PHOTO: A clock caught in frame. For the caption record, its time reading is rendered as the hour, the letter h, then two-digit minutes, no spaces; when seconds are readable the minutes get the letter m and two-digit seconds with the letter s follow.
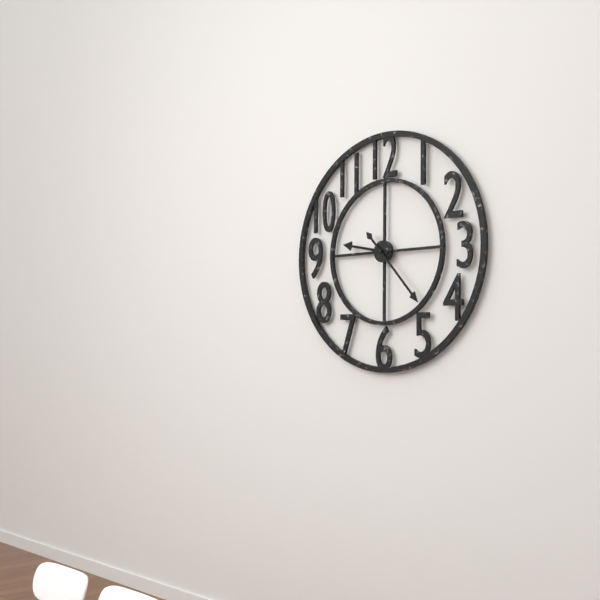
9h23
